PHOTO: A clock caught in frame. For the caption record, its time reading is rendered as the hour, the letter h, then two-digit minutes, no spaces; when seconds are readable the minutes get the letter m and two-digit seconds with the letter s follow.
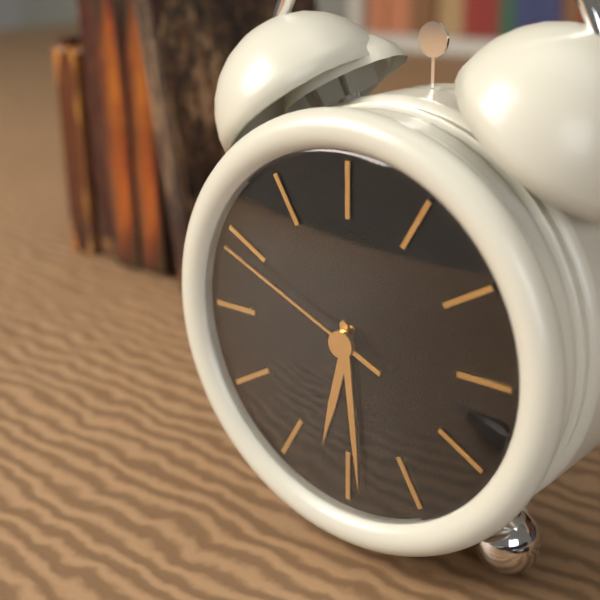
6h29m49s
